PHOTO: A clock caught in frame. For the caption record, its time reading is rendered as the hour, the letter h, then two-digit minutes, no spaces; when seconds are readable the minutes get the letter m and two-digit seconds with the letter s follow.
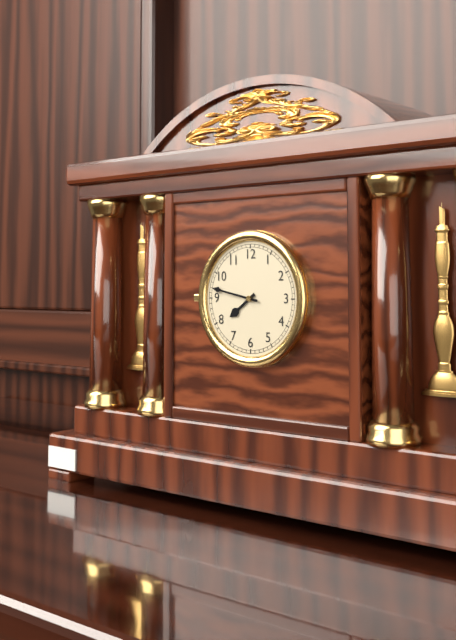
7h47
